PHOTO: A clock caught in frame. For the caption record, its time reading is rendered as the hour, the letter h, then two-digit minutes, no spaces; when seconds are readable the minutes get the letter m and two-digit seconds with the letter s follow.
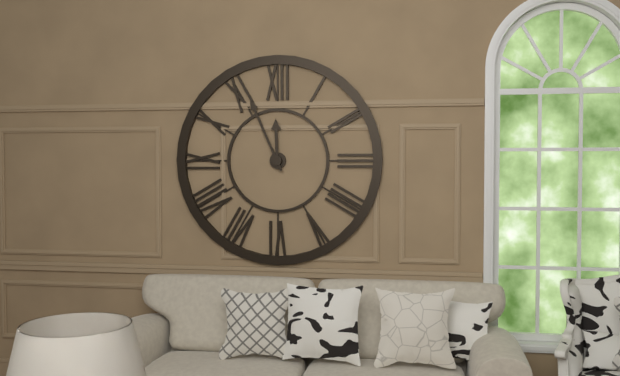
11h56
